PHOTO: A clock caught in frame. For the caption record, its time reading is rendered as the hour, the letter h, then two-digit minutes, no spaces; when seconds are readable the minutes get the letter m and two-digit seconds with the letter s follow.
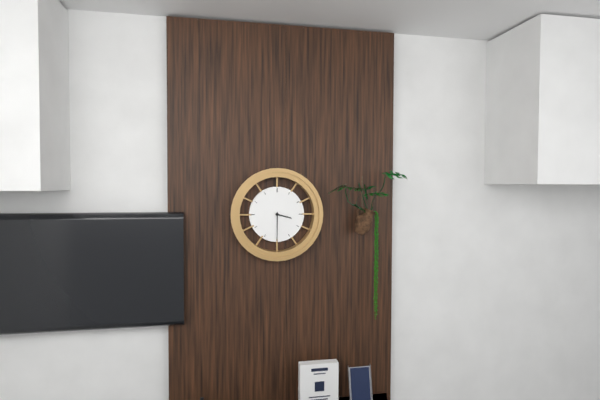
3h30
